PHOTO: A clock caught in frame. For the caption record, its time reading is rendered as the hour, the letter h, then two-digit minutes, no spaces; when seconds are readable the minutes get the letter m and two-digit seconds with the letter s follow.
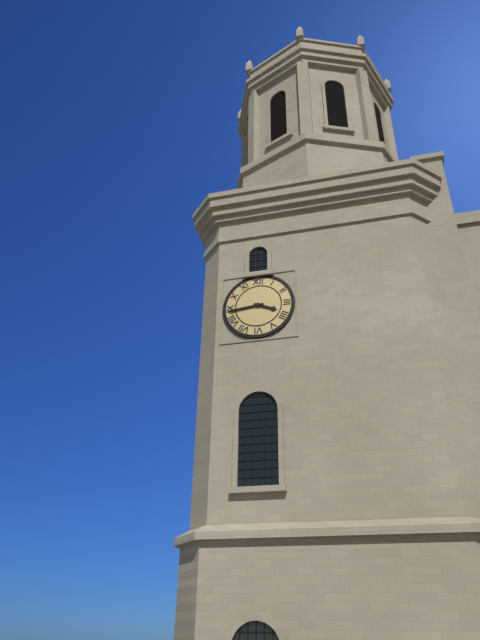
3h44
